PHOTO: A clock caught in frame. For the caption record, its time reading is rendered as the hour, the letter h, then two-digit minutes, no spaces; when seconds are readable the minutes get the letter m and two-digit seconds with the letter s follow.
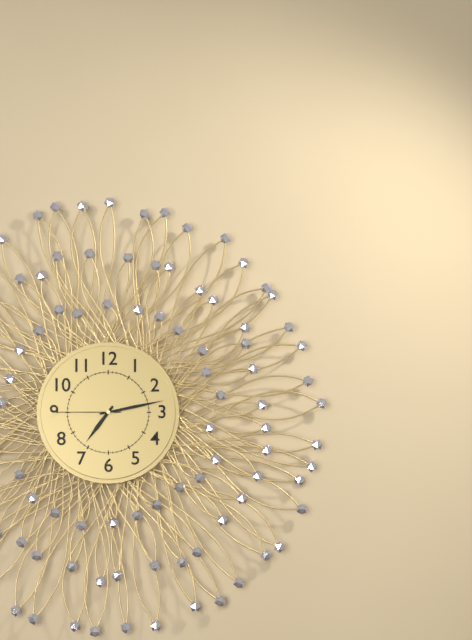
7h13m45s
